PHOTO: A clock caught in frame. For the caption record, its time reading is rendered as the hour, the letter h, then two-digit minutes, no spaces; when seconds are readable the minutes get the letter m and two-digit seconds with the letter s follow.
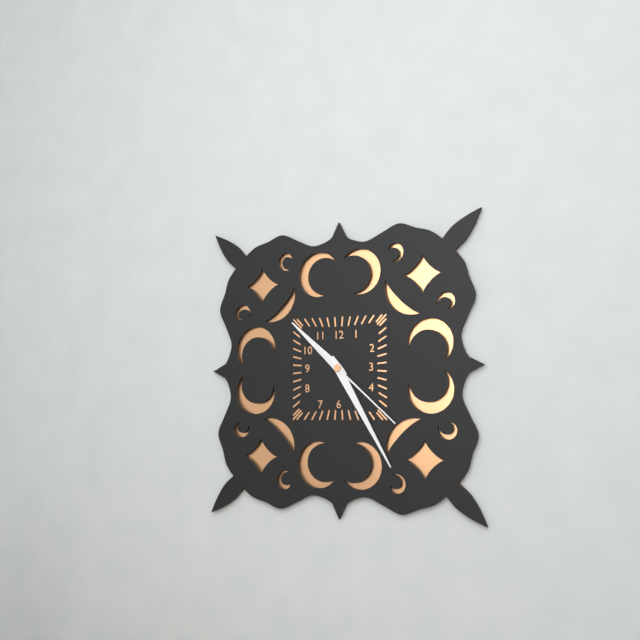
10h25m22s
